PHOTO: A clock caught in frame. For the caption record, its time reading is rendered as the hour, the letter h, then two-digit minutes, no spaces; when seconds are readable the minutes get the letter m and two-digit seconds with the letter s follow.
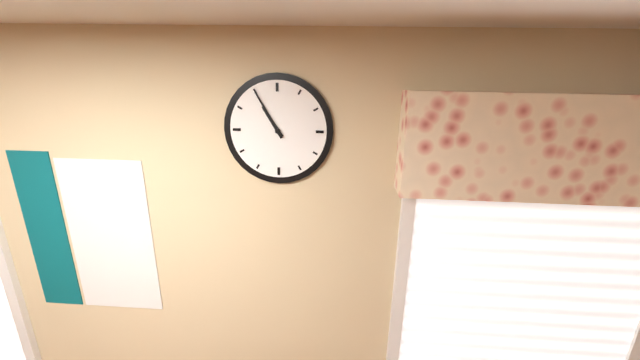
10h55
